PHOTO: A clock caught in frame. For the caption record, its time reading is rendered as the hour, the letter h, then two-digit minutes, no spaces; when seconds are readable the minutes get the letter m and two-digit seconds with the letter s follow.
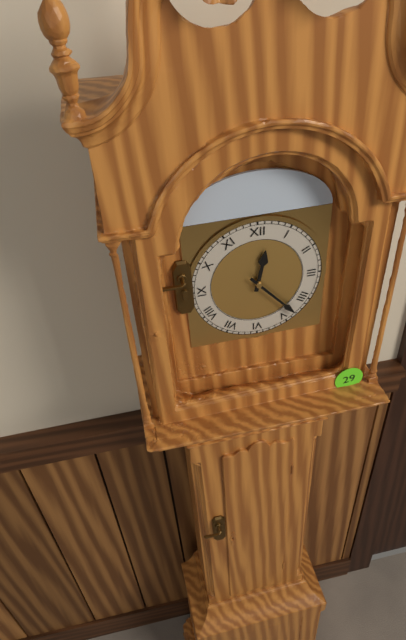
12h23
